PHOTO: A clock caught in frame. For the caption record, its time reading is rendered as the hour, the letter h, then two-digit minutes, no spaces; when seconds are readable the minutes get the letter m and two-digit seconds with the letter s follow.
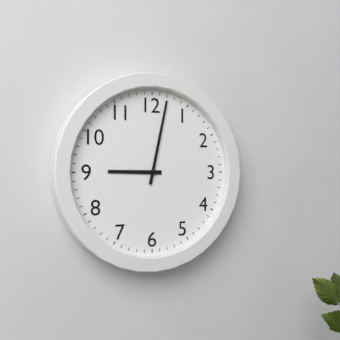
9h02
